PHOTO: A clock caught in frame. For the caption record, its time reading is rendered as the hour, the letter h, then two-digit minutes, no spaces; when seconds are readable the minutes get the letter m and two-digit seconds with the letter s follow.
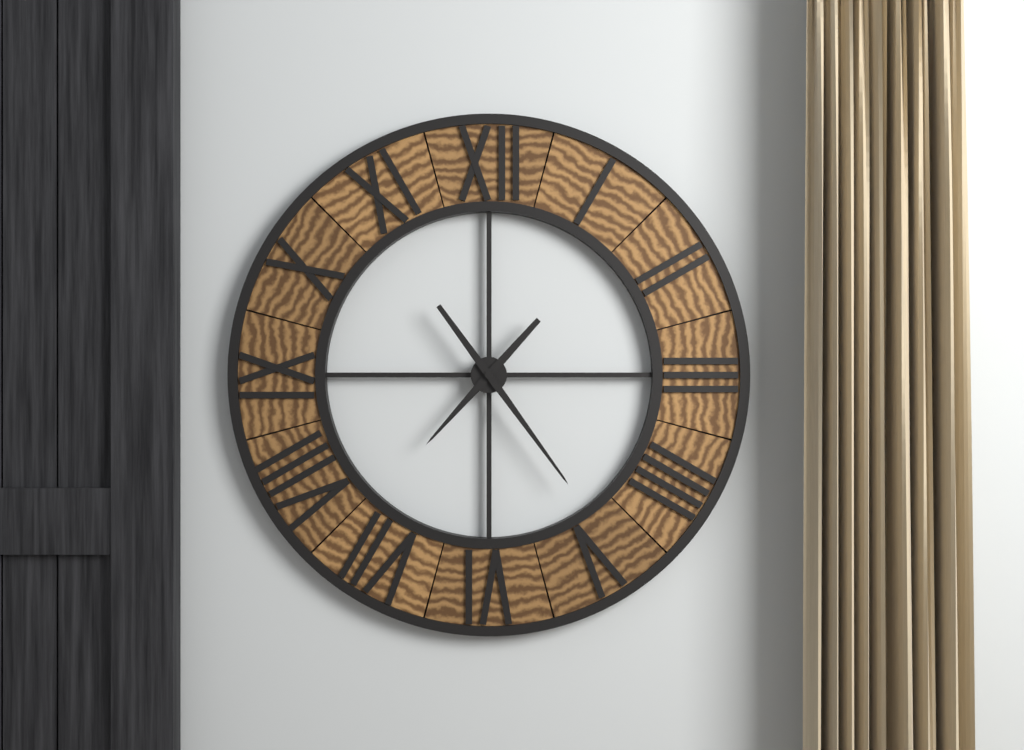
7h24
